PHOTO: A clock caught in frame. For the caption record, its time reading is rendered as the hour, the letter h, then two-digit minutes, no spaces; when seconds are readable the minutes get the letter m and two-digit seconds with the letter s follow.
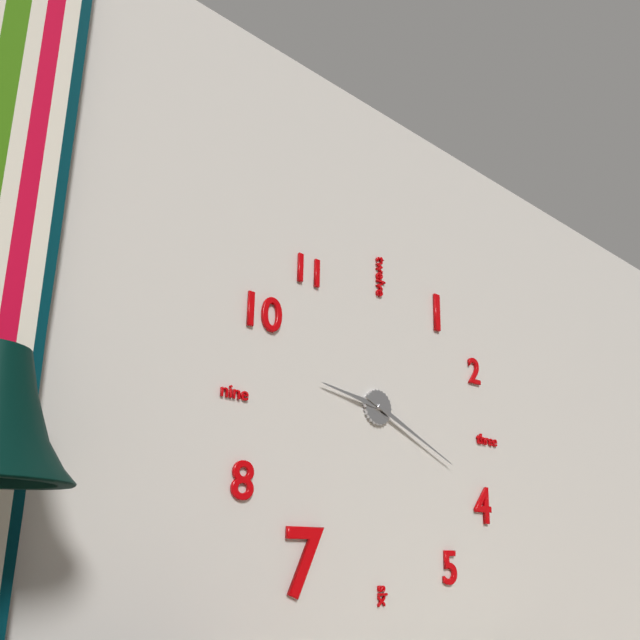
9h19
